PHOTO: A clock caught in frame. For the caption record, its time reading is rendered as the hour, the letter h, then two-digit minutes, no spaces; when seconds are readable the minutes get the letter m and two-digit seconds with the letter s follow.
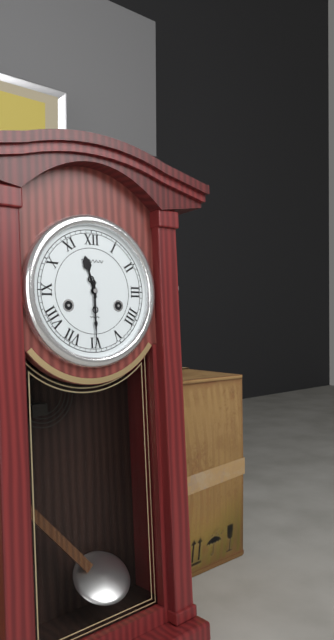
11h30
